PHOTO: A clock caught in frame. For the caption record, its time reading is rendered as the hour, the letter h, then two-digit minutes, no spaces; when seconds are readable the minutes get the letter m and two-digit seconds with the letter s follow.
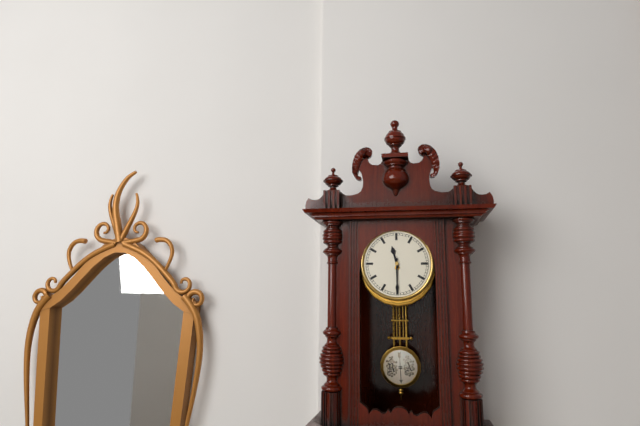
11h30
